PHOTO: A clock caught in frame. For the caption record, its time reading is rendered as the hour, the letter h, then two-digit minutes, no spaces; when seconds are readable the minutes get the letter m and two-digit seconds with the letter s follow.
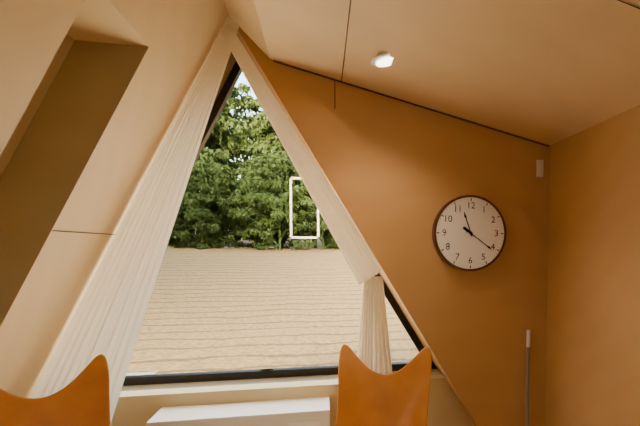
11h21
